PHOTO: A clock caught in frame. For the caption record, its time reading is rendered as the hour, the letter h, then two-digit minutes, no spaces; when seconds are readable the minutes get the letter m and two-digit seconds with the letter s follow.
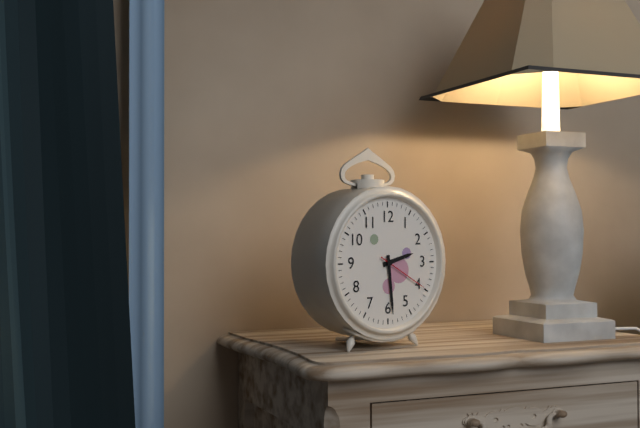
2h29m20s
